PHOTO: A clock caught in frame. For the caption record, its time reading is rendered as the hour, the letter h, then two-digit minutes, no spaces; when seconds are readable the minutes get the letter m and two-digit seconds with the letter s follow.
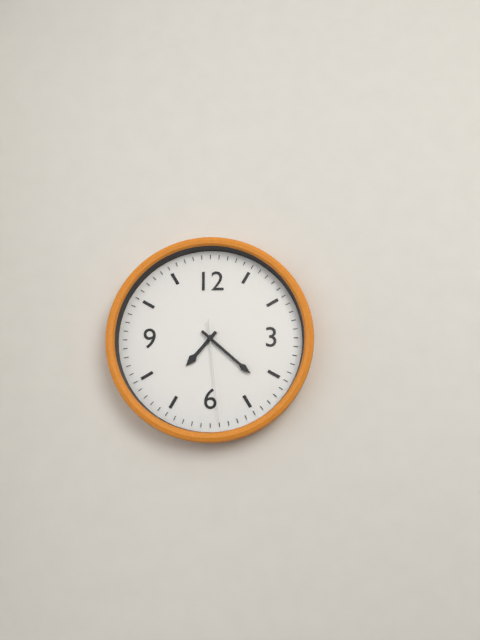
7h22m29s
